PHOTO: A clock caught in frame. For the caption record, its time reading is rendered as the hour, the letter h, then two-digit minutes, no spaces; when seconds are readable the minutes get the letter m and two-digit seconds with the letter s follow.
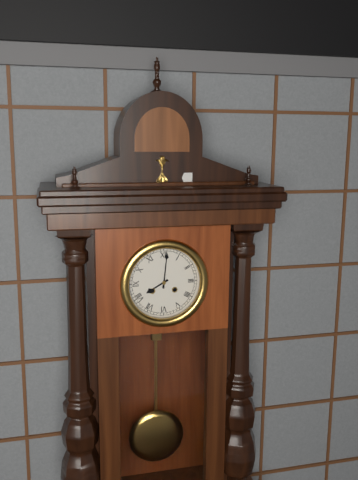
8h01
